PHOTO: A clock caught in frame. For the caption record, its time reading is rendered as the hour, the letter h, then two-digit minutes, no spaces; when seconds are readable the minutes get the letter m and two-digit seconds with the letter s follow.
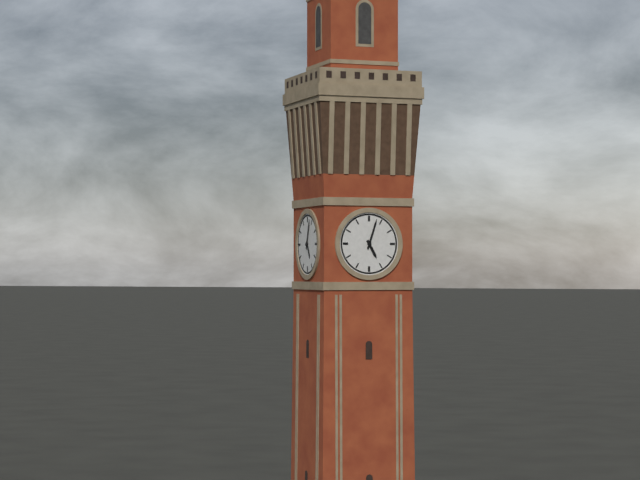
5h03
